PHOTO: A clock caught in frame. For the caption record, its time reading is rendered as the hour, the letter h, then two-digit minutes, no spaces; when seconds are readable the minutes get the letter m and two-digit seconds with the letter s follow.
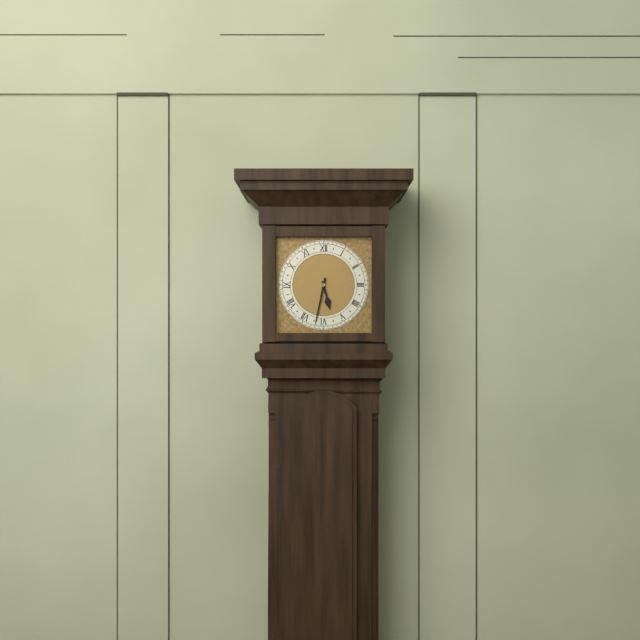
5h32
